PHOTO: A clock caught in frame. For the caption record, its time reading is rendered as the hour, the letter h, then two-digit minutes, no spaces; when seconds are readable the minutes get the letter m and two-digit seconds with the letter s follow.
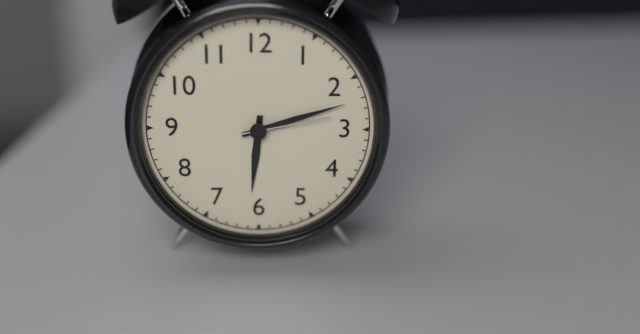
6h12m13s
